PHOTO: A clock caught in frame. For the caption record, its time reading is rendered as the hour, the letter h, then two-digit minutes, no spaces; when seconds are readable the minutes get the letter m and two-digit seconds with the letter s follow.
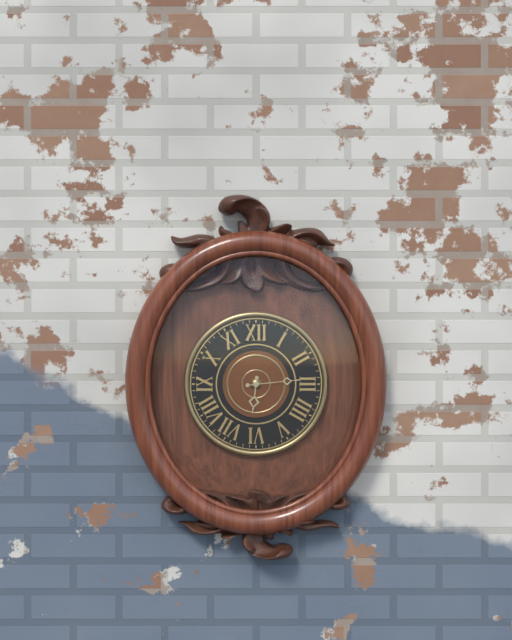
6h14
